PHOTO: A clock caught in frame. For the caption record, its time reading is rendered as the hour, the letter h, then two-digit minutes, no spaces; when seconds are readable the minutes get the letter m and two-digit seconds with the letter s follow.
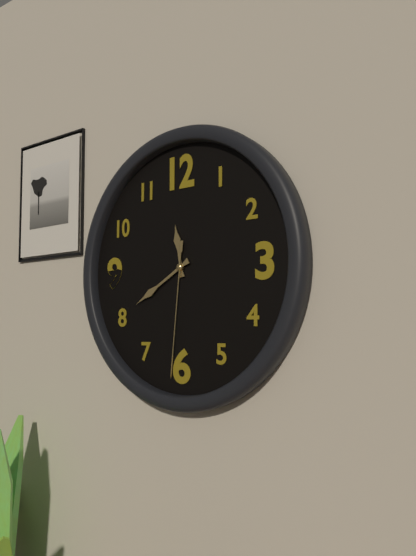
11h40m31s
